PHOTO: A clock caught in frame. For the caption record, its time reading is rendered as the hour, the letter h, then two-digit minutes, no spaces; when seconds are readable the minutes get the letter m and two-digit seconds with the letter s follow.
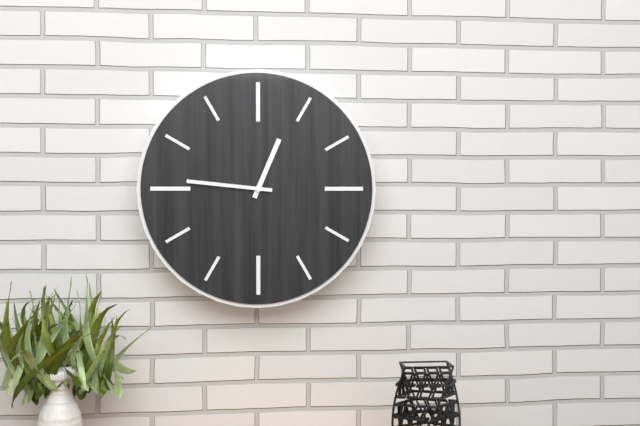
12h46
